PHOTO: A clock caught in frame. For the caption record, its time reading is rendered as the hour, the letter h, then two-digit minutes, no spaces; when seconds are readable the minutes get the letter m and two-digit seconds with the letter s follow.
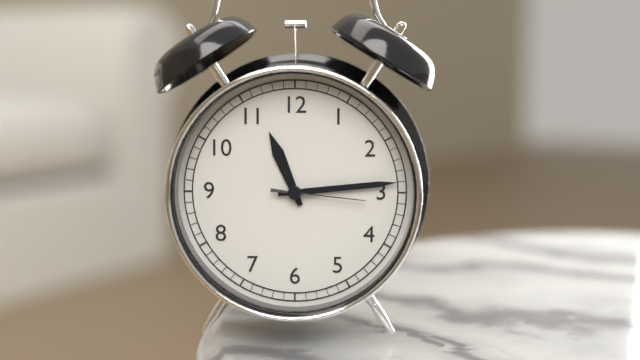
11h14m16s
